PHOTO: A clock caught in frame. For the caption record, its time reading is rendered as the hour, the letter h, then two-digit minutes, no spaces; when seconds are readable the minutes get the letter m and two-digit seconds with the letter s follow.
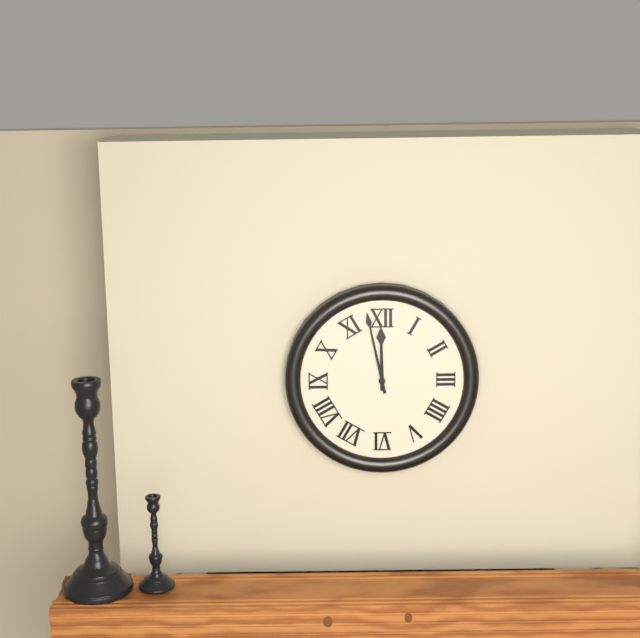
11h58
